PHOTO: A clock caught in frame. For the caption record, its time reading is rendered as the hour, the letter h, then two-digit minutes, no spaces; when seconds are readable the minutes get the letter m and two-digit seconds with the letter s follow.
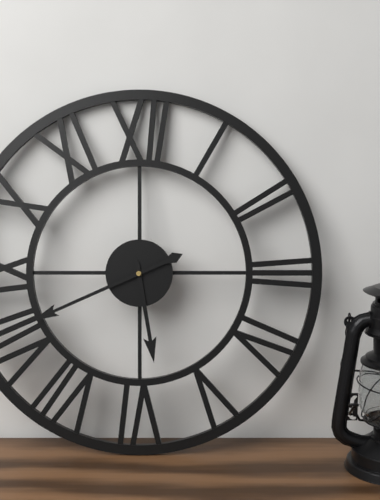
5h41
